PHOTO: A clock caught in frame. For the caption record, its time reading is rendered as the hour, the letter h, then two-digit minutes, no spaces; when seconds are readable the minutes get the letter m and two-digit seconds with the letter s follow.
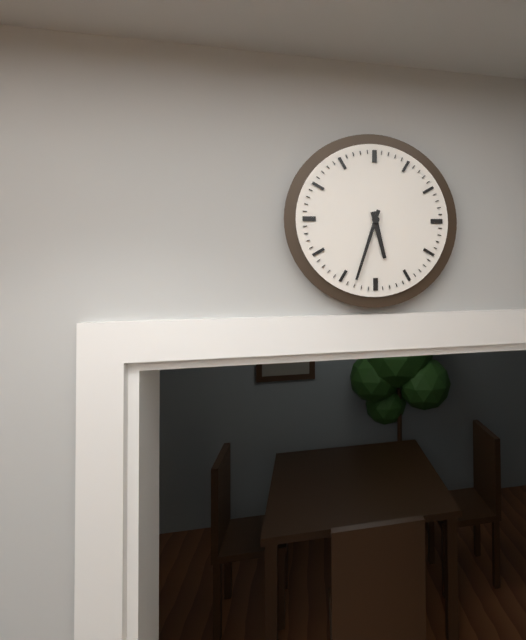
5h33
